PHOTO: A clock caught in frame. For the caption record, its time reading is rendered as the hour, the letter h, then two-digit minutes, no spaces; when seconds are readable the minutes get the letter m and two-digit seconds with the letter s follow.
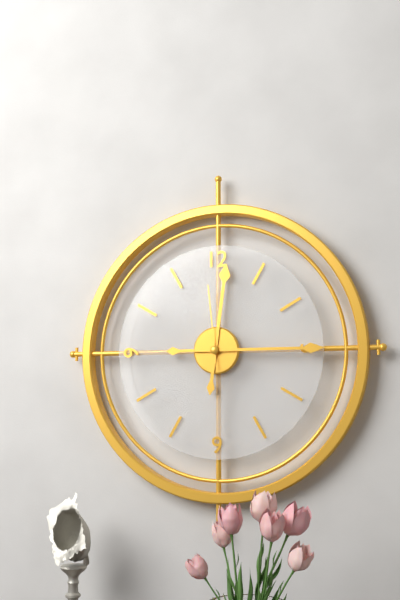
12h15m59s
